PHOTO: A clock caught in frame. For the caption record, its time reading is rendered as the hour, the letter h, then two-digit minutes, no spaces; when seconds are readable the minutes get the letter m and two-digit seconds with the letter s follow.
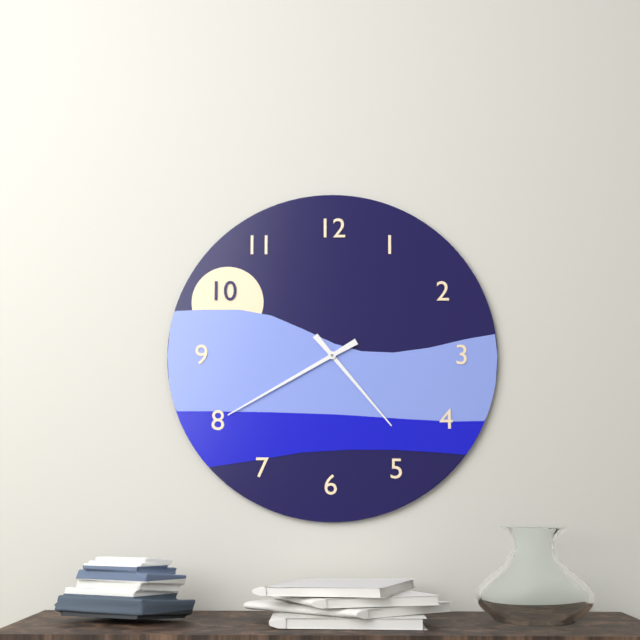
4h40
